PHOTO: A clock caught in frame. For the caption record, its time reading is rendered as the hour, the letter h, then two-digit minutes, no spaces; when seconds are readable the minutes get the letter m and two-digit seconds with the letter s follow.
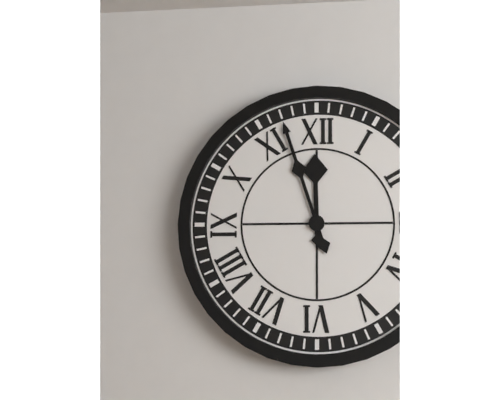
11h57
